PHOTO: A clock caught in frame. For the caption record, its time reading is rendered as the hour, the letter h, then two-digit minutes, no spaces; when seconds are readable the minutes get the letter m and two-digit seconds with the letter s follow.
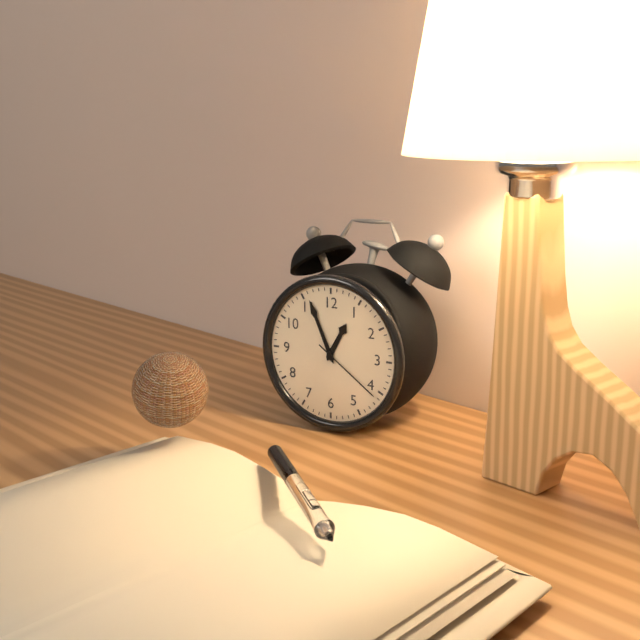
12h56m21s
